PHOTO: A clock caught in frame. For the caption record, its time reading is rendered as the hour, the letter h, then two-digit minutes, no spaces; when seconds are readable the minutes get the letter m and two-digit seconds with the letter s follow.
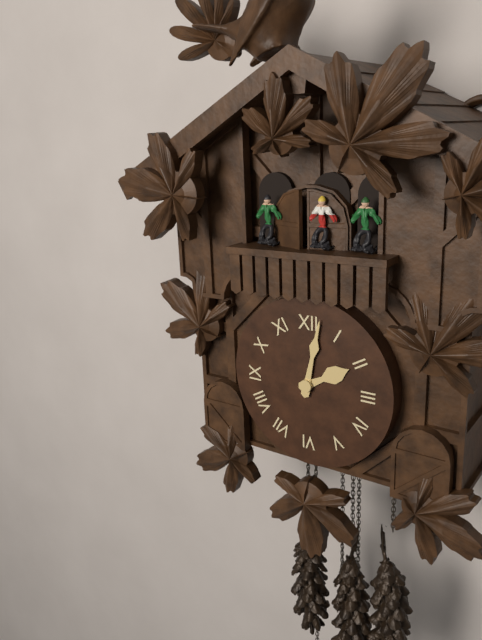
2h02
